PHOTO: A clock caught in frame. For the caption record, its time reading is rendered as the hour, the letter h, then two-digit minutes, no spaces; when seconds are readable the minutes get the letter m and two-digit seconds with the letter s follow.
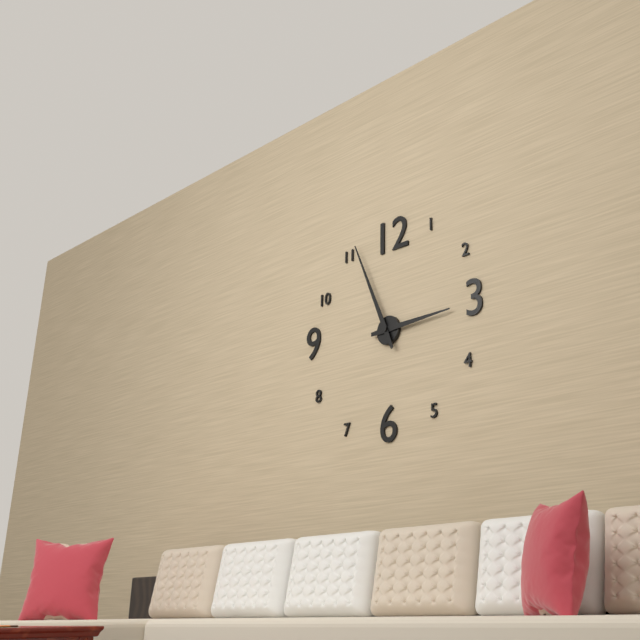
2h56
